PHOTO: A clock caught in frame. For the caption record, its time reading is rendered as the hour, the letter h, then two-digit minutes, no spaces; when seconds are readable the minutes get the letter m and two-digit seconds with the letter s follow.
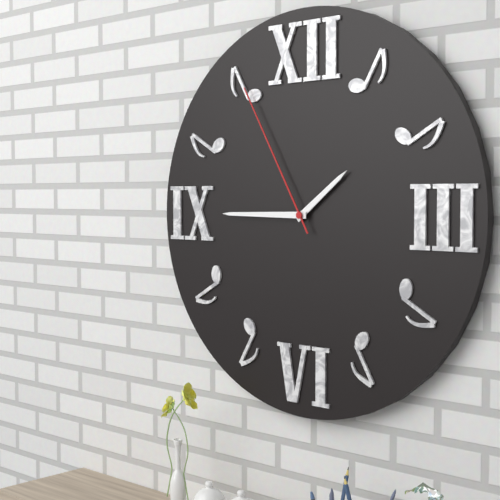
1h45m55s
